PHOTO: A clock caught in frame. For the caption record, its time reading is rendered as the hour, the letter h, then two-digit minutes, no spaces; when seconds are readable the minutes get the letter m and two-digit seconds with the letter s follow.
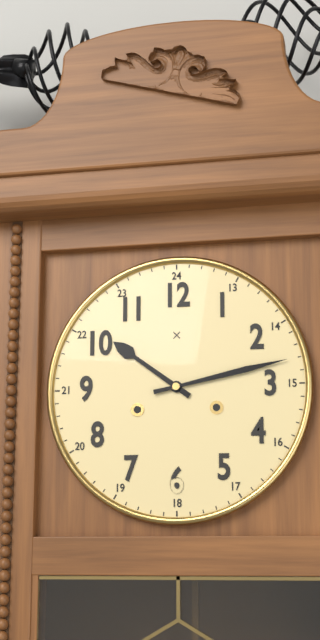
10h13
